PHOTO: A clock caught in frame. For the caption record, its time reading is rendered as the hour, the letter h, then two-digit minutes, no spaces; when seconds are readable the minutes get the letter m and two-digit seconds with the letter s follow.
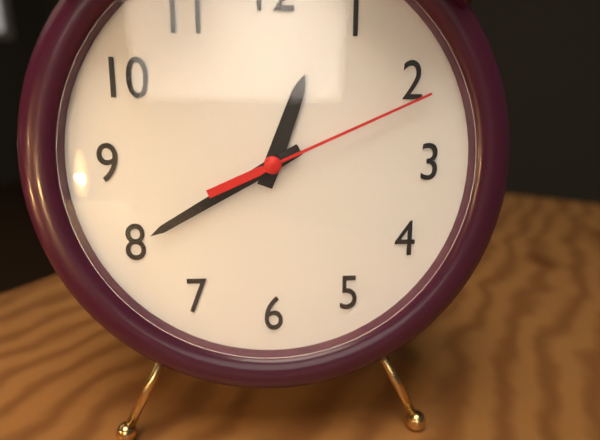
12h40m11s
